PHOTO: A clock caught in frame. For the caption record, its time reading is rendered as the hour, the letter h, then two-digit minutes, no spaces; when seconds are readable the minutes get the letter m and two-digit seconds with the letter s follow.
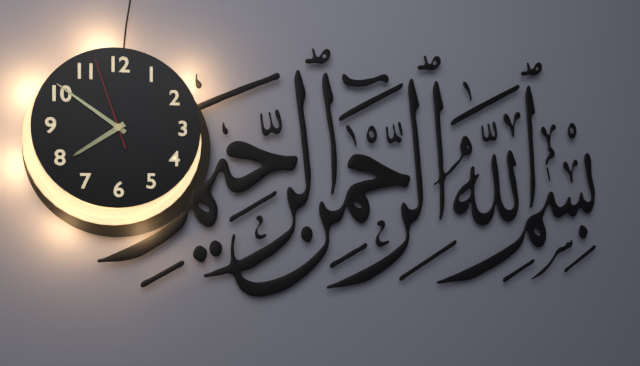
7h51m57s
